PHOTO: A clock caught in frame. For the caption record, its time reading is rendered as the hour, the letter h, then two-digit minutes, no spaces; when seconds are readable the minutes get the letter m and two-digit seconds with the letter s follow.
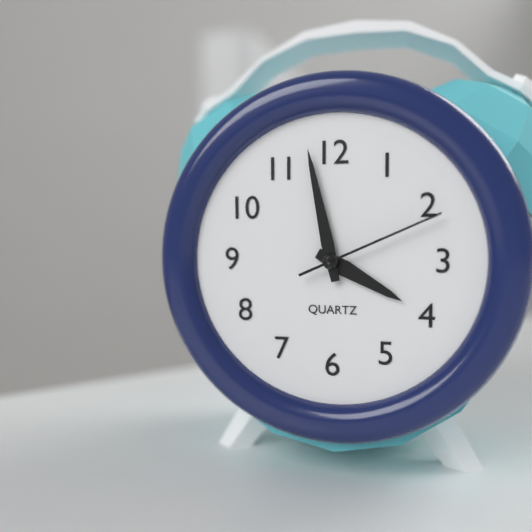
3h58m11s
